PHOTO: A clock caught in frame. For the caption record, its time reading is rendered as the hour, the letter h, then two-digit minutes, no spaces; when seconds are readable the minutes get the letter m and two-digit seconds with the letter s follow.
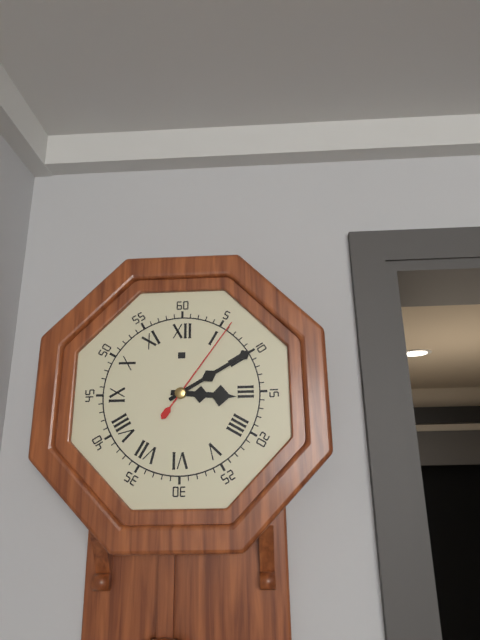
3h10m06s
